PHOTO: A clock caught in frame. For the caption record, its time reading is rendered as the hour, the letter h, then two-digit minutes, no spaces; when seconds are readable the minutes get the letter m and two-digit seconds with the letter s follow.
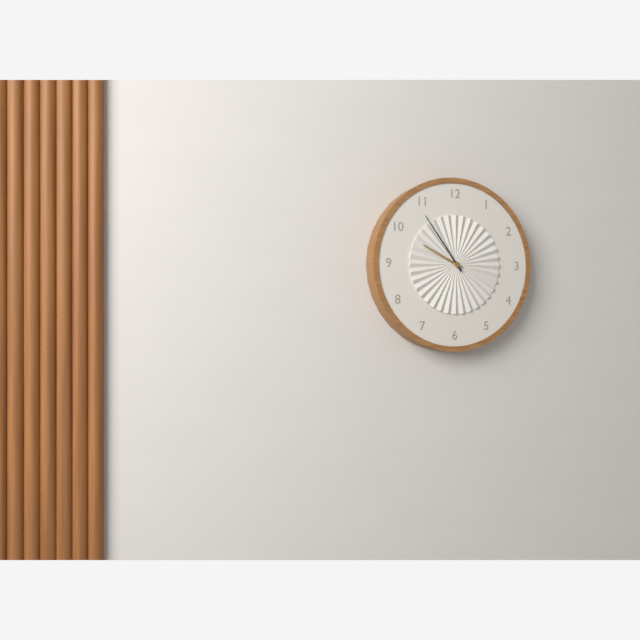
9h54
